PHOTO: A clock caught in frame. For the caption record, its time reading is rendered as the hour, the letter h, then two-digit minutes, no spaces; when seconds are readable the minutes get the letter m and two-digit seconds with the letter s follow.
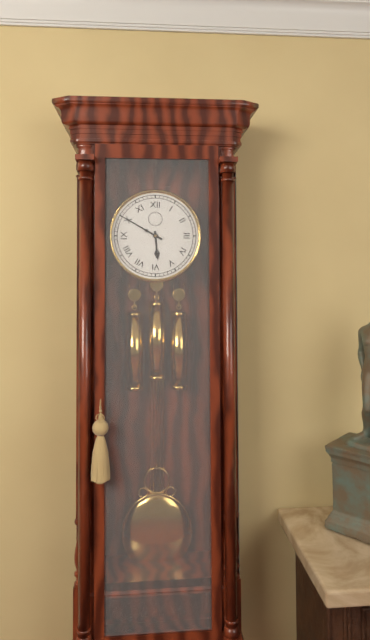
5h50
